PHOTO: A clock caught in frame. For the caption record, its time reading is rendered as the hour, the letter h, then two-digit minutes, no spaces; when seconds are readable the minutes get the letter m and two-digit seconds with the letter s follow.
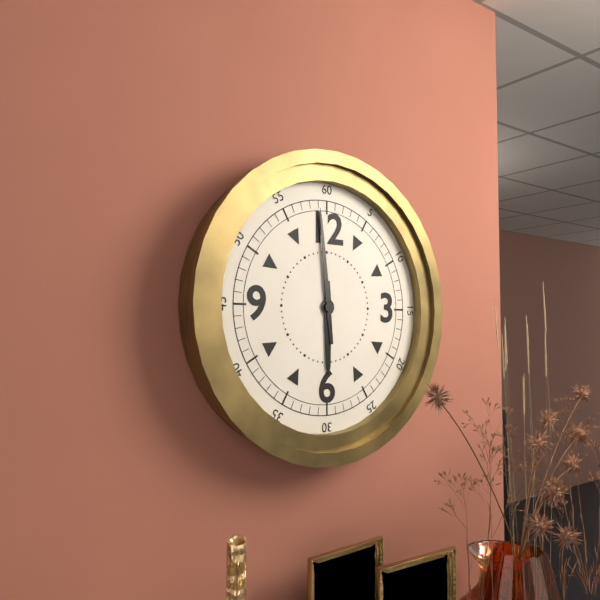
5h59
